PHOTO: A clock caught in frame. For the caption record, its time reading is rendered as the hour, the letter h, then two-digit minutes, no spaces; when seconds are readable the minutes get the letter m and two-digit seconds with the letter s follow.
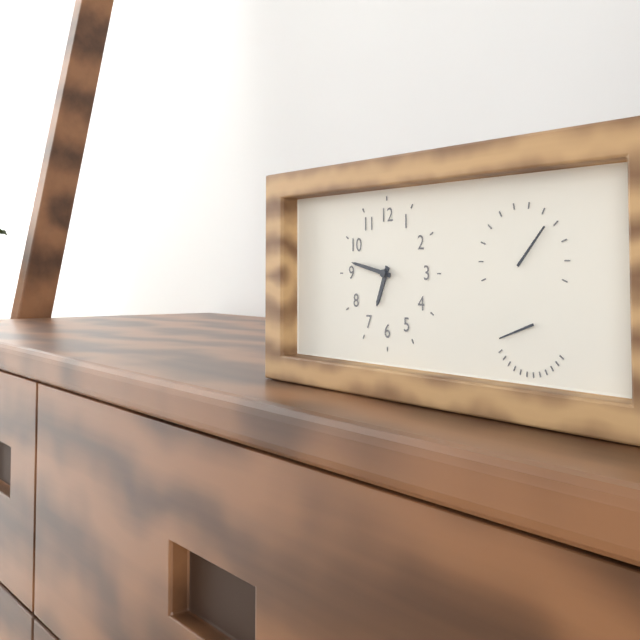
6h47
